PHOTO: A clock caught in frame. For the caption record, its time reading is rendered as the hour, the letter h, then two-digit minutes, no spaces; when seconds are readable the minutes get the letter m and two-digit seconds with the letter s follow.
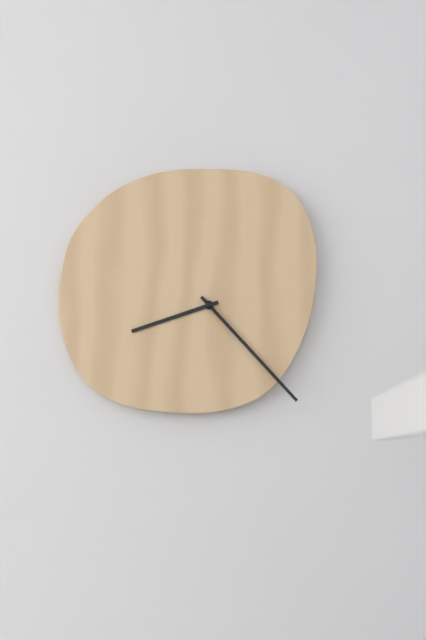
8h23
